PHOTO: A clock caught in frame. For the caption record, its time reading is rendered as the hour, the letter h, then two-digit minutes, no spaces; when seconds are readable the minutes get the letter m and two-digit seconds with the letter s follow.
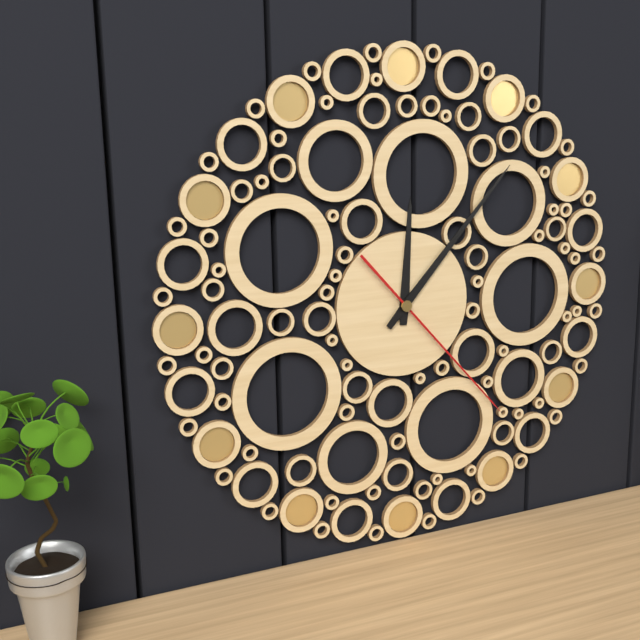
12h07m23s
